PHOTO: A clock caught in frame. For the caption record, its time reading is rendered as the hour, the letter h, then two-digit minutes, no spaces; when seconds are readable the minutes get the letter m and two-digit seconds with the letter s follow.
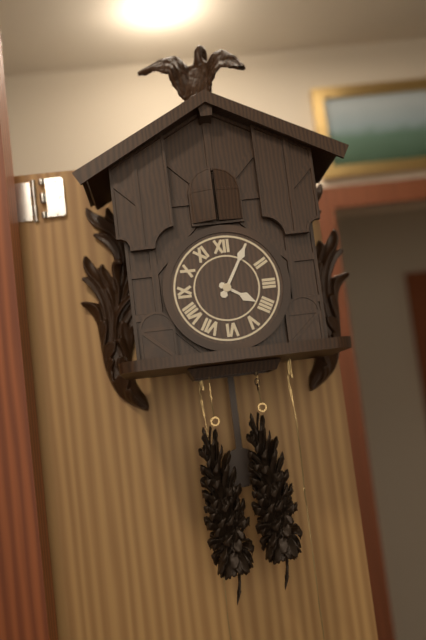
4h05
